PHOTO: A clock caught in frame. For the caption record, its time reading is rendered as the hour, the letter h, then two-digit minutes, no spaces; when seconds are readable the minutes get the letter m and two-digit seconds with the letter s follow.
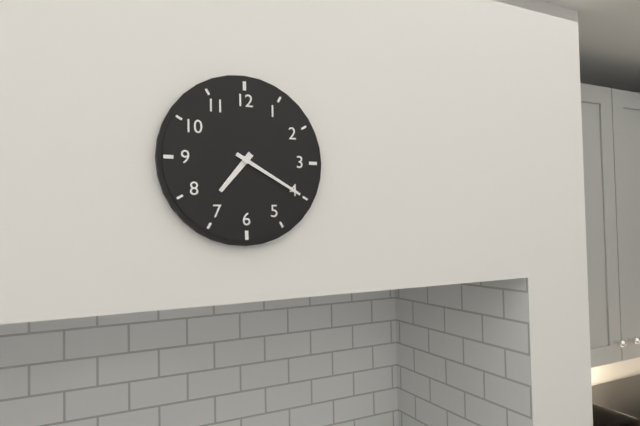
7h20
